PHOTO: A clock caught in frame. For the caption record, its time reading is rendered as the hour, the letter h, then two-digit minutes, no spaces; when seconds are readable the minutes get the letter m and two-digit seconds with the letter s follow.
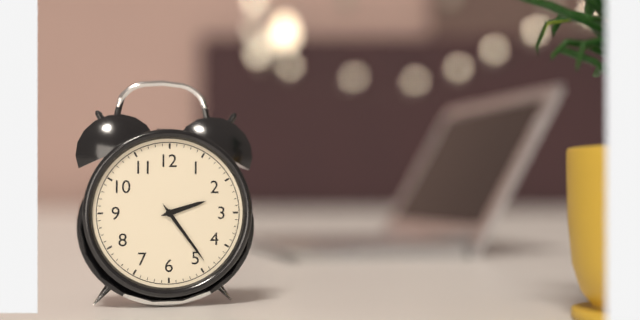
2h24
